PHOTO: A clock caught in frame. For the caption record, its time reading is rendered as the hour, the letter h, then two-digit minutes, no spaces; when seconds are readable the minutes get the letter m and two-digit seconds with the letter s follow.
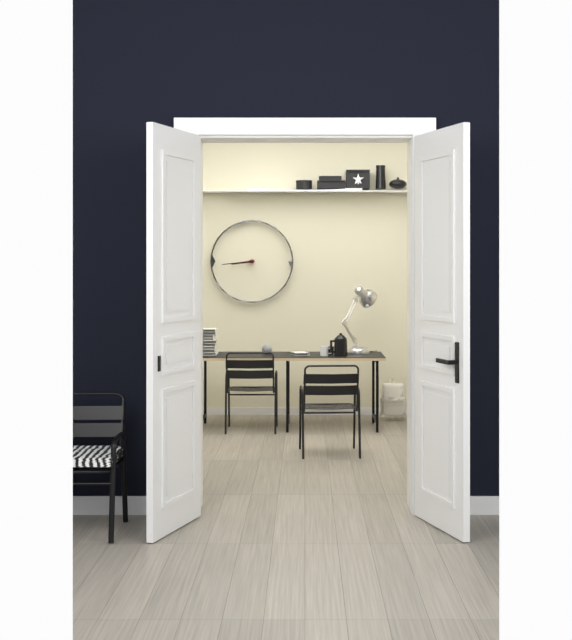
8h44
